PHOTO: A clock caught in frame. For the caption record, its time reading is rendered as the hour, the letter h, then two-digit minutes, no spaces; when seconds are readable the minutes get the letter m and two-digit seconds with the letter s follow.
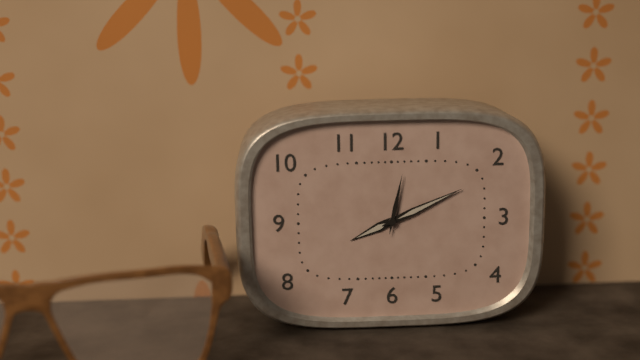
8h11m02s
